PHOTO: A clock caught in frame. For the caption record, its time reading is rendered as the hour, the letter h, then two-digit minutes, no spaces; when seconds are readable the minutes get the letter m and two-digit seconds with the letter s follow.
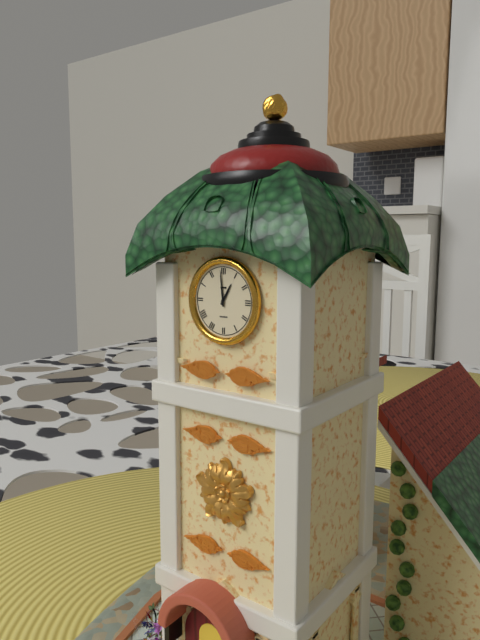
12h59
